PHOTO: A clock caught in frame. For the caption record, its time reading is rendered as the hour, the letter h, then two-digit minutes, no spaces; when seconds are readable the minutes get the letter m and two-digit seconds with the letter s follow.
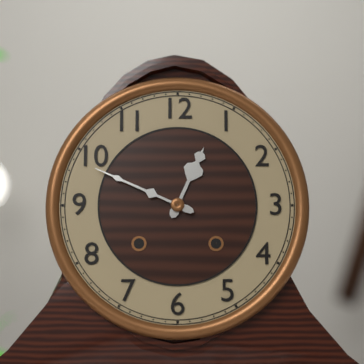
12h49
